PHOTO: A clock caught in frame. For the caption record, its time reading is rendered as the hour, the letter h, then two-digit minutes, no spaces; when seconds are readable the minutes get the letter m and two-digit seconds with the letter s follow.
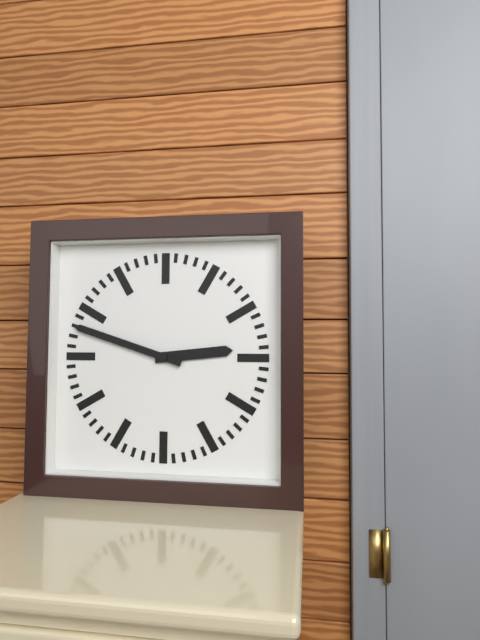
2h48
